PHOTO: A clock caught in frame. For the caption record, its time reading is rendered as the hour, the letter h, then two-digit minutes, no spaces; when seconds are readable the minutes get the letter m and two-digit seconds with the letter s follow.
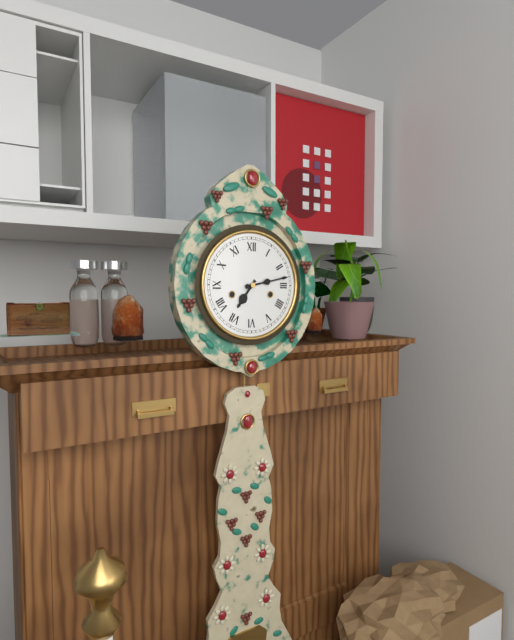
7h13
